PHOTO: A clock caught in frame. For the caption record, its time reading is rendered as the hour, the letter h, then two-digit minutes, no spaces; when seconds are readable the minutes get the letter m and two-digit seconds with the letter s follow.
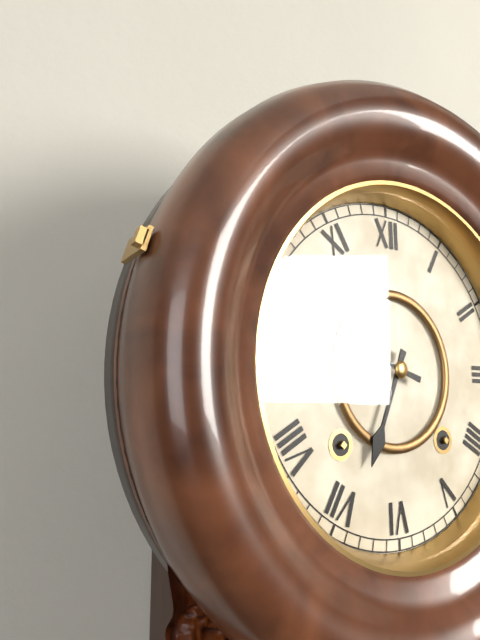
6h48
